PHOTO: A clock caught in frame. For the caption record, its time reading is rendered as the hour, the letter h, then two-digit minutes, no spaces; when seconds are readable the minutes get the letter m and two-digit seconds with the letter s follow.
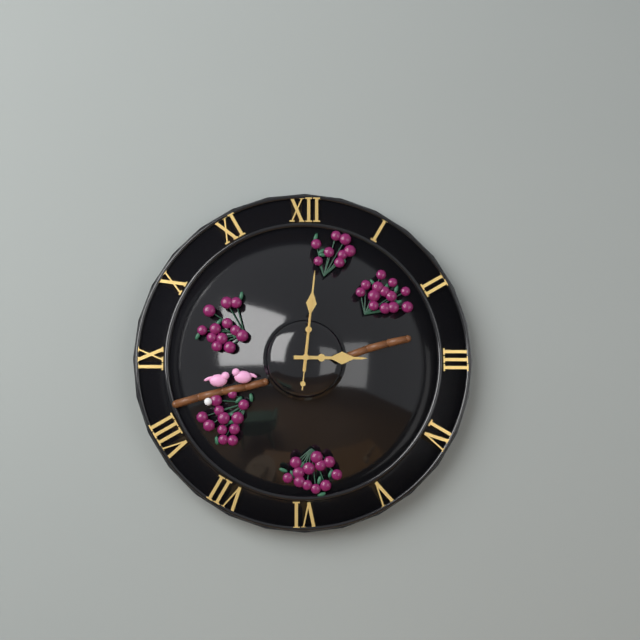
3h01m01s
